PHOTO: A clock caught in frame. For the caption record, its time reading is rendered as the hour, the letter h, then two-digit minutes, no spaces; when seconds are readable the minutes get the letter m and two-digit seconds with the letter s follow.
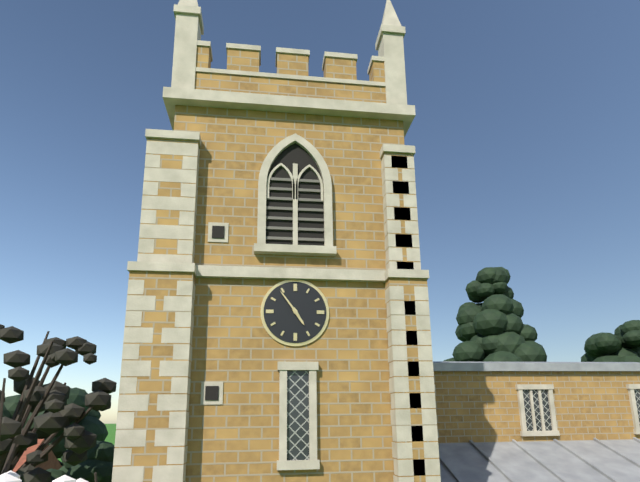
4h54
